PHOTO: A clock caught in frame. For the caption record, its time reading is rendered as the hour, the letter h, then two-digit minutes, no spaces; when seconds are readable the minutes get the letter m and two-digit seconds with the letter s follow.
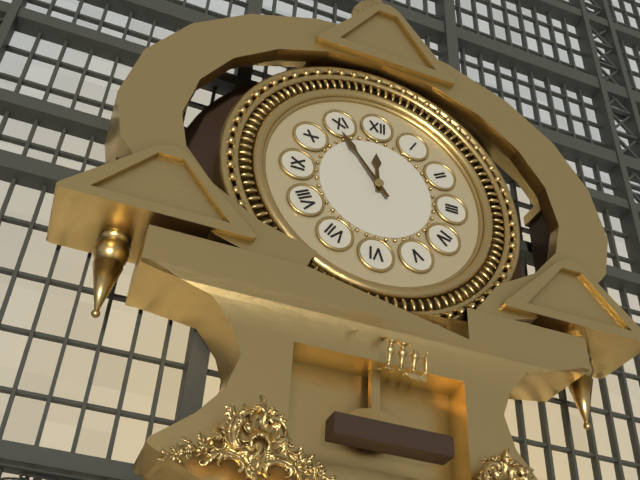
11h54
